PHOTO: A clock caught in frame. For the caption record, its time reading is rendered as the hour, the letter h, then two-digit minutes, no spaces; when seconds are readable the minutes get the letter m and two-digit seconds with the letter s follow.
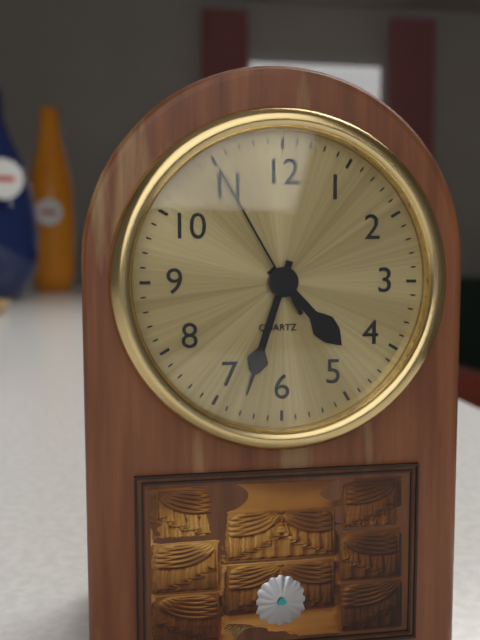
4h33m55s
